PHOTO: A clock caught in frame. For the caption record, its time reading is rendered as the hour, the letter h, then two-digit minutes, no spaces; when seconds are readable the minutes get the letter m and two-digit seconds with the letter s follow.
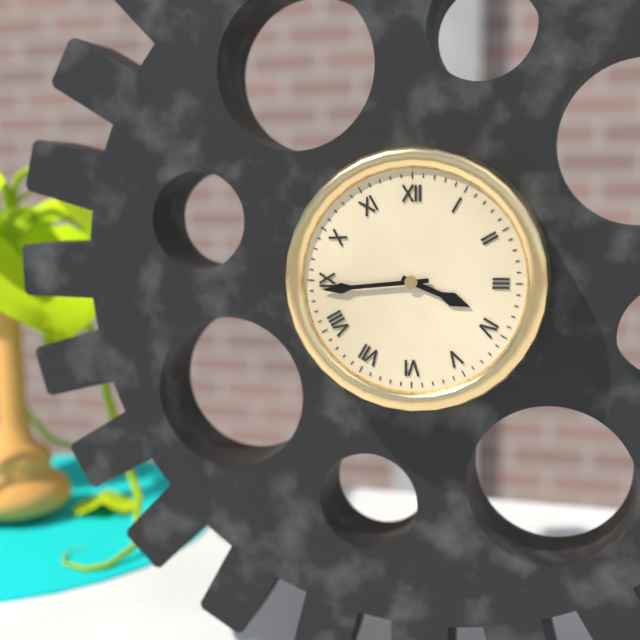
3h44
